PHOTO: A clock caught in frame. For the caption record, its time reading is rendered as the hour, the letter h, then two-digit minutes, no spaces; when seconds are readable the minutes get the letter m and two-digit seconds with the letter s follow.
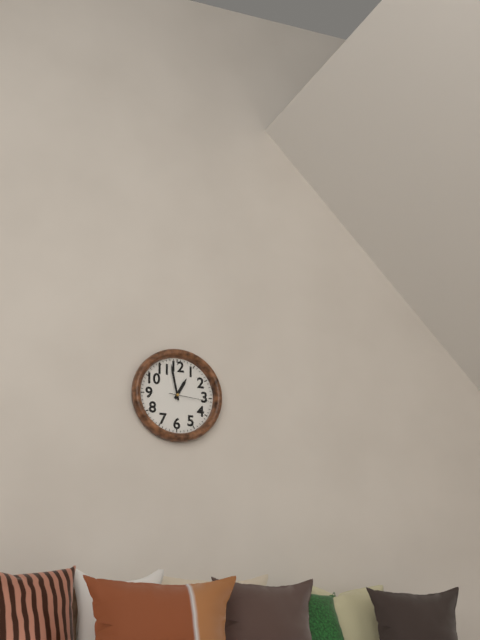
12h58
